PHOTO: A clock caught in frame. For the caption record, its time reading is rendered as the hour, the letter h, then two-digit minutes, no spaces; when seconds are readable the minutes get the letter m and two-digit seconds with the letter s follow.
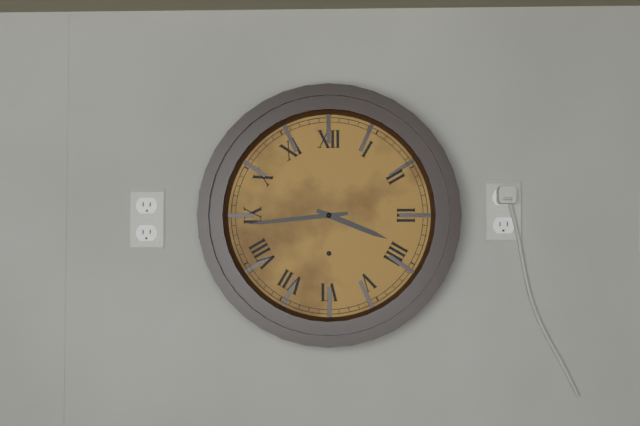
3h44
